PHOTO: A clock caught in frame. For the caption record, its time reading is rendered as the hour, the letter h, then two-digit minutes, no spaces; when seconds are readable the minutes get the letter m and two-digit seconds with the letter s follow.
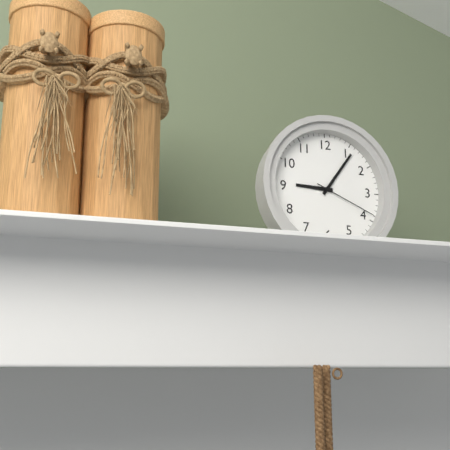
9h06m19s
